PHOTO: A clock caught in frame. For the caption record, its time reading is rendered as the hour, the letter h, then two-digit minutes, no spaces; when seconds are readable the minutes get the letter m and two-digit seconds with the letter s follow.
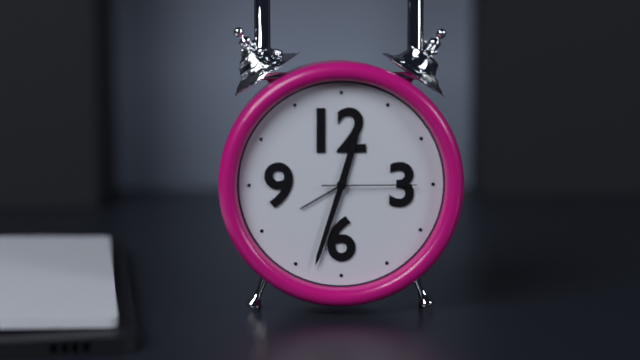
12h33m15s
